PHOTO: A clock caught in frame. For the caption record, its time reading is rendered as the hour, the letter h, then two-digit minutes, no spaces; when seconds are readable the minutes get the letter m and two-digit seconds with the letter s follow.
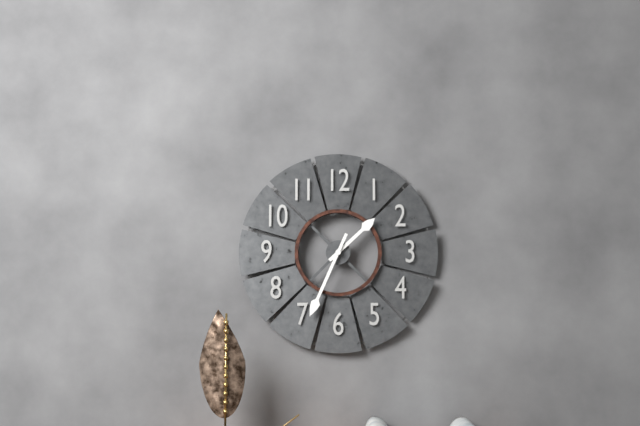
1h34
